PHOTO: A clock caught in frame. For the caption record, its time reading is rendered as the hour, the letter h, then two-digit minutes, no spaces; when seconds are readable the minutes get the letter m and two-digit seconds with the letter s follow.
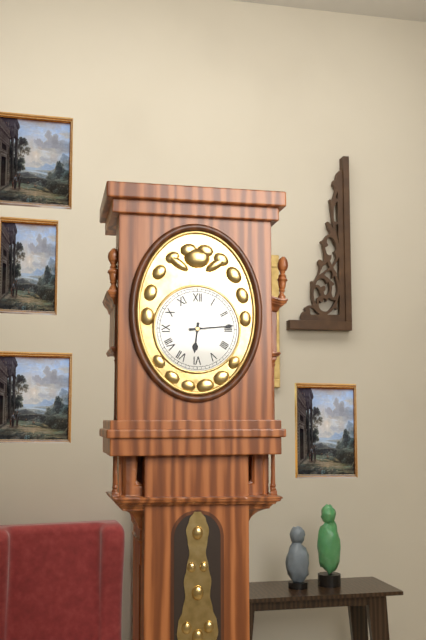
6h14
